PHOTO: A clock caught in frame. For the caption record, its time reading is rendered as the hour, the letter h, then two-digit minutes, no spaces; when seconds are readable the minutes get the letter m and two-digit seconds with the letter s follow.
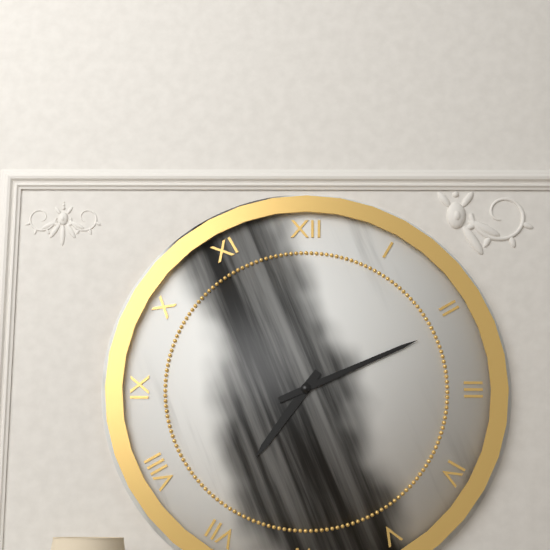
7h11
